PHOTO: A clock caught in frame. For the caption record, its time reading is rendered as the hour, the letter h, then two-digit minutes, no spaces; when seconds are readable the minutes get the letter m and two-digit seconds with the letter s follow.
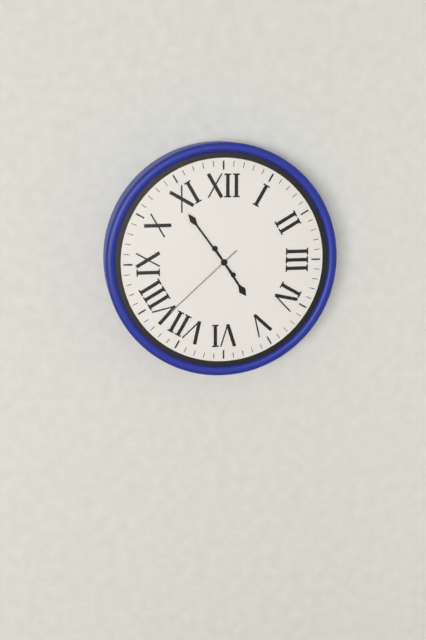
4h54m38s
